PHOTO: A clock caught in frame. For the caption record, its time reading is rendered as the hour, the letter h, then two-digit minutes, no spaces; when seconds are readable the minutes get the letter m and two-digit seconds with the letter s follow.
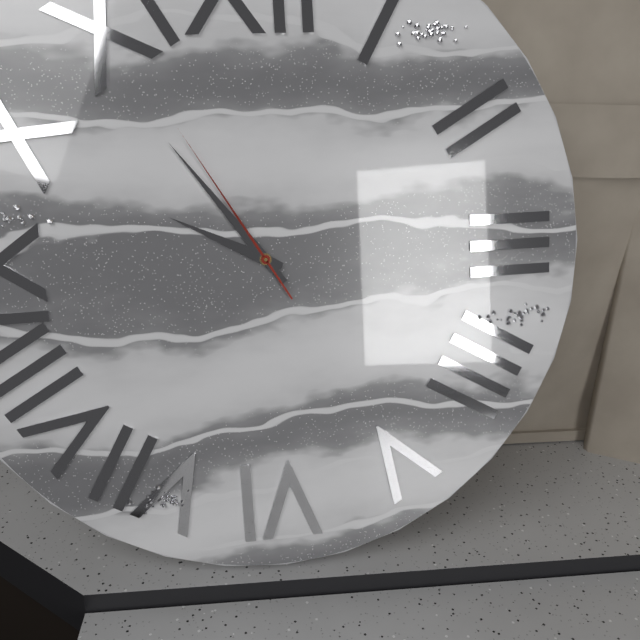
9h54m55s
